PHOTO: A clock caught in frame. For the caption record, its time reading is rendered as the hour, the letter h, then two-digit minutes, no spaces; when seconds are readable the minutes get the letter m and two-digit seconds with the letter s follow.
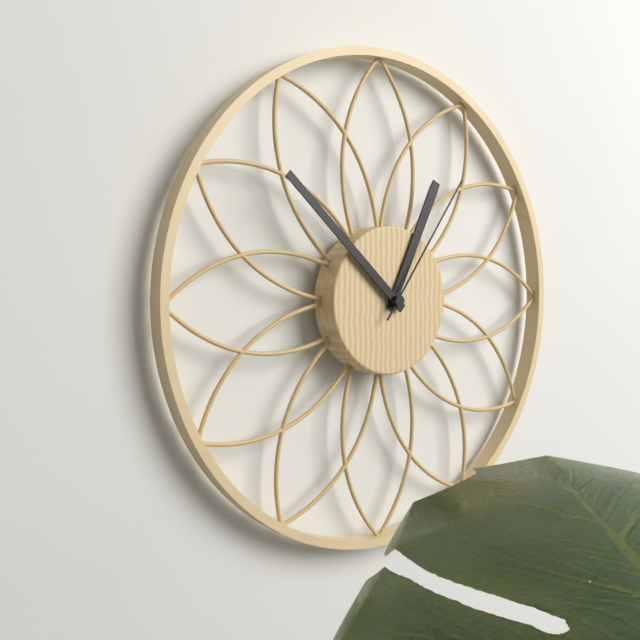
12h52m06s
